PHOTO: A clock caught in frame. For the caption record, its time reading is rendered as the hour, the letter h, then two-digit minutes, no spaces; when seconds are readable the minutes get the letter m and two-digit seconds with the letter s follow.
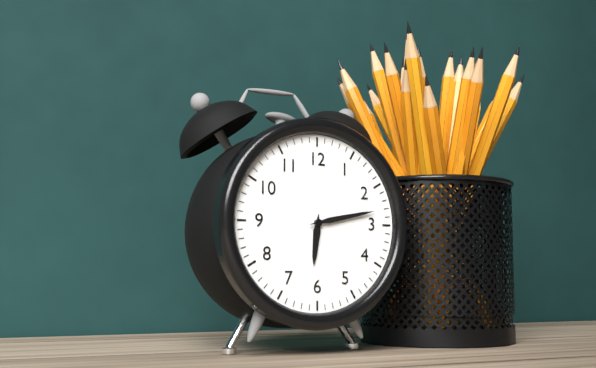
6h13
